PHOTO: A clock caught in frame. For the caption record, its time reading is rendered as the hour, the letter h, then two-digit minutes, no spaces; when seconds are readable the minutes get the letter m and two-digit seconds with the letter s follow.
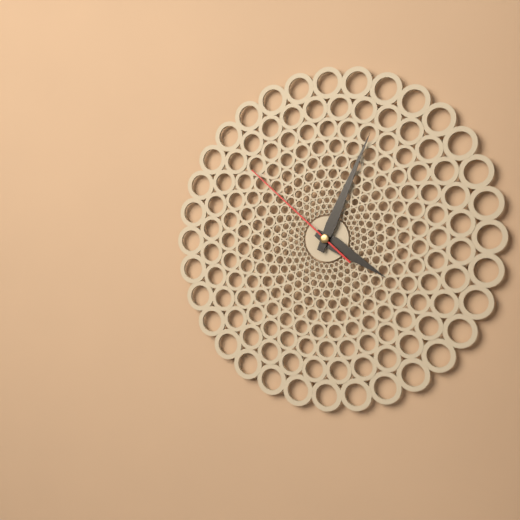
4h04m52s
